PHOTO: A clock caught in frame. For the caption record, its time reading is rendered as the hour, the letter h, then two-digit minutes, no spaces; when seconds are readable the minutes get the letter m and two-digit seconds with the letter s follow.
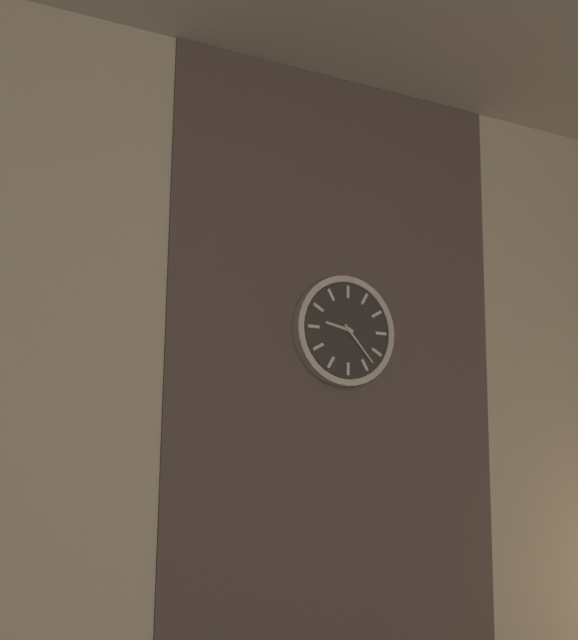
9h23
